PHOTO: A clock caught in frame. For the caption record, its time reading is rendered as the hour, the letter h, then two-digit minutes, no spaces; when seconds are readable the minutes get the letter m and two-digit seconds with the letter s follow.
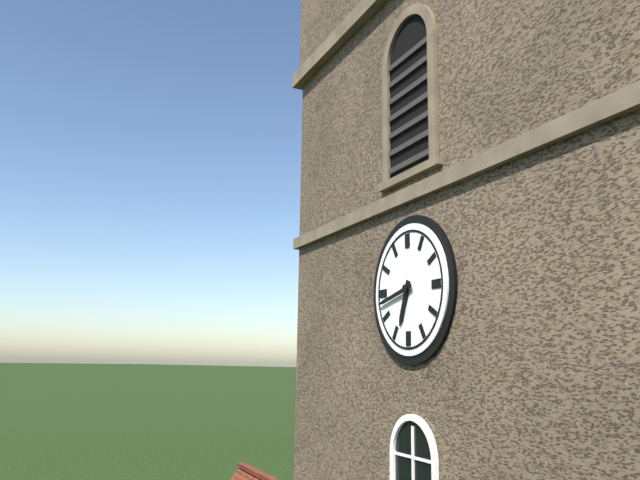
6h43
